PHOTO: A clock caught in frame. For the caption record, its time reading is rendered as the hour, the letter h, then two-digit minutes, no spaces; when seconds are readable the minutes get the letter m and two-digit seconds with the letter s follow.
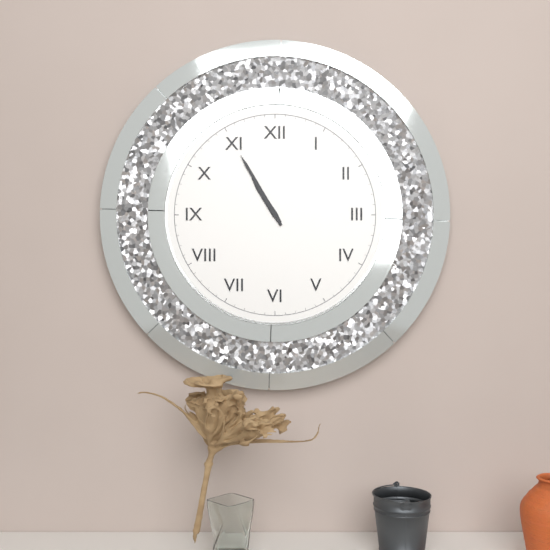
10h55
